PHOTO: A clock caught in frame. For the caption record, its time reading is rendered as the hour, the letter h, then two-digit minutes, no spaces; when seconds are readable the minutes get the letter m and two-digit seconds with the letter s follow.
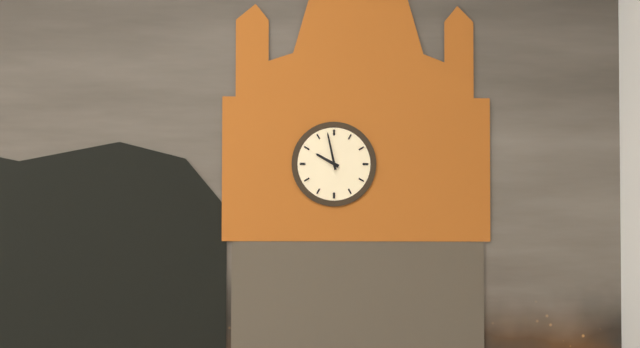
9h58
